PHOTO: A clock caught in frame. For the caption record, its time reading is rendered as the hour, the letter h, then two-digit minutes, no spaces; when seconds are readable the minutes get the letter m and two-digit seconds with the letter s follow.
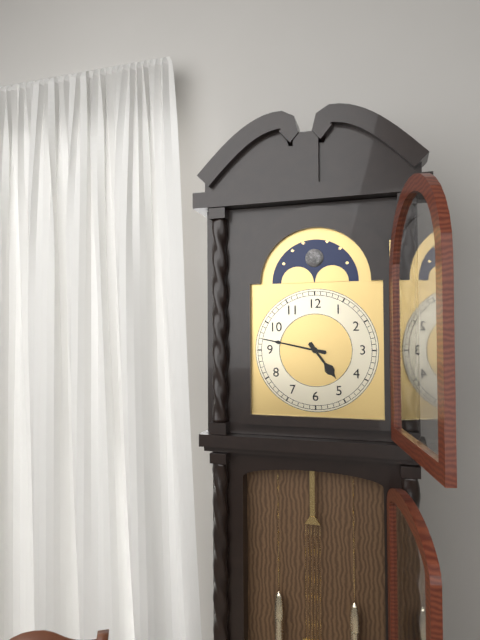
4h47
